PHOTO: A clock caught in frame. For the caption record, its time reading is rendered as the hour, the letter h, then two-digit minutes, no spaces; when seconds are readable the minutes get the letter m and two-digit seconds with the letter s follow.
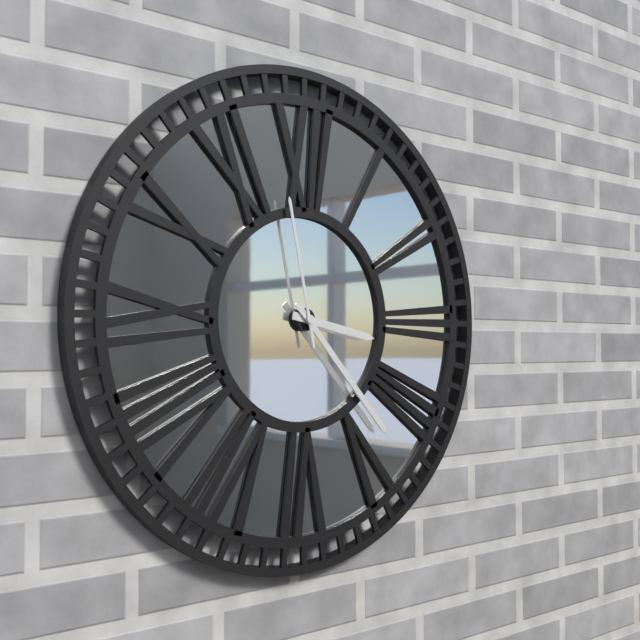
3h23m58s
